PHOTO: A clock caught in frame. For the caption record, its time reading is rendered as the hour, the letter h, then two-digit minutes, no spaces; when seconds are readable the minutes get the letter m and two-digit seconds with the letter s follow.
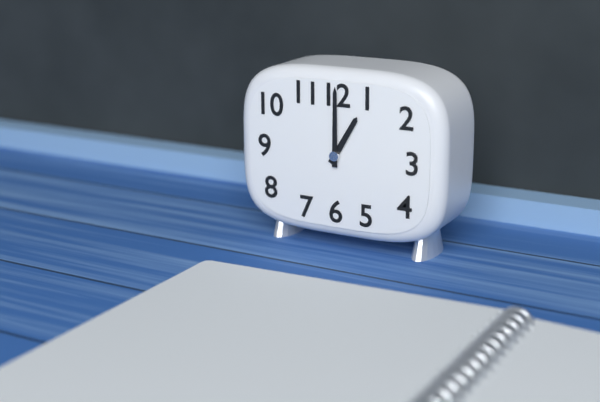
1h00
